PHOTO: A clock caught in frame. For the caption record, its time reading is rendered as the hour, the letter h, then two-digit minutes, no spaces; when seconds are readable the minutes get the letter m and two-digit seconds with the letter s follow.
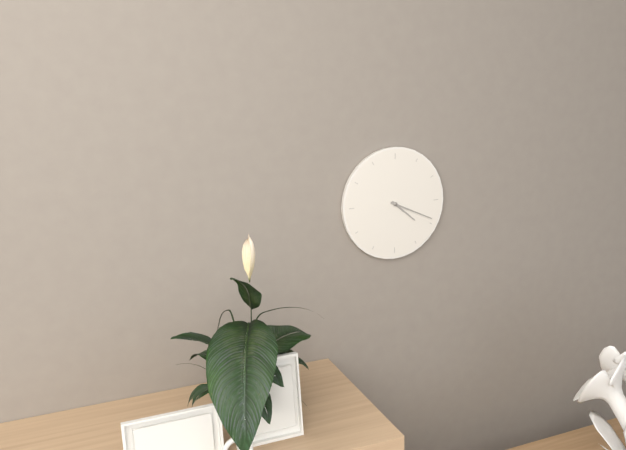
4h19
